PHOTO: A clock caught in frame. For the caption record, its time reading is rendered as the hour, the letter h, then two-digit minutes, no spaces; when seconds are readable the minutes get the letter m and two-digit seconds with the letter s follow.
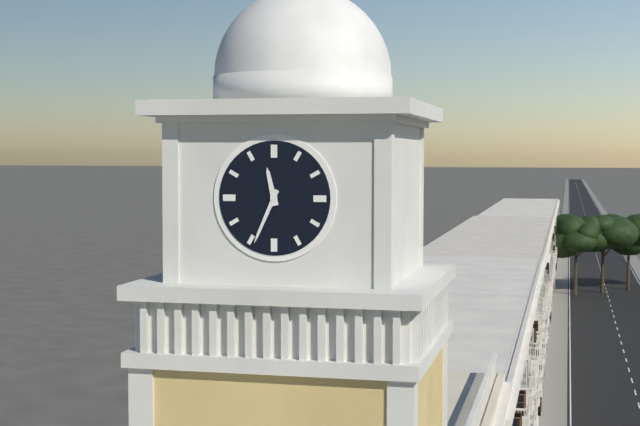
11h34
